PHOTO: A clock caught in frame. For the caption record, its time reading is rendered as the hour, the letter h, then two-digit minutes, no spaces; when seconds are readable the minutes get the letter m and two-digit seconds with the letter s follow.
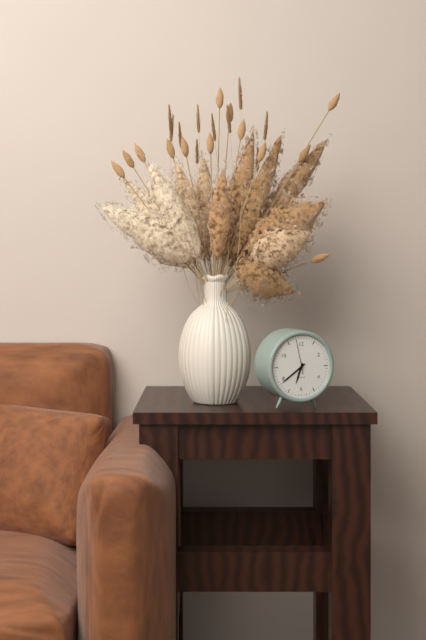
6h39
